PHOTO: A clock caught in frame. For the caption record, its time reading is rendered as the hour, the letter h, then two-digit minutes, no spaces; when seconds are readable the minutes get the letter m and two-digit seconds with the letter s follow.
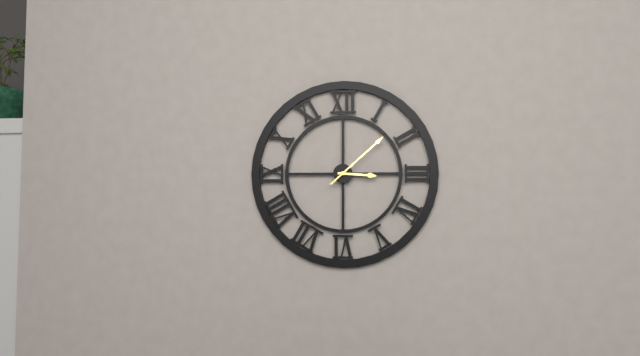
3h08
